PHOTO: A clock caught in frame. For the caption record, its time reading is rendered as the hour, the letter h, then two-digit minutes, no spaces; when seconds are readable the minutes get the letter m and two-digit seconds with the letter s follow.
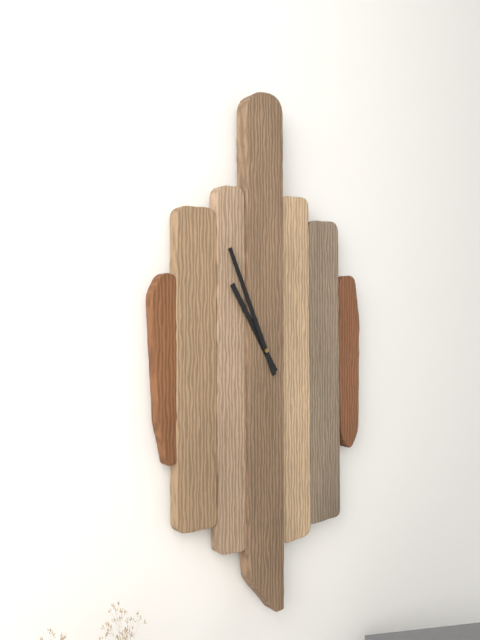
10h56
